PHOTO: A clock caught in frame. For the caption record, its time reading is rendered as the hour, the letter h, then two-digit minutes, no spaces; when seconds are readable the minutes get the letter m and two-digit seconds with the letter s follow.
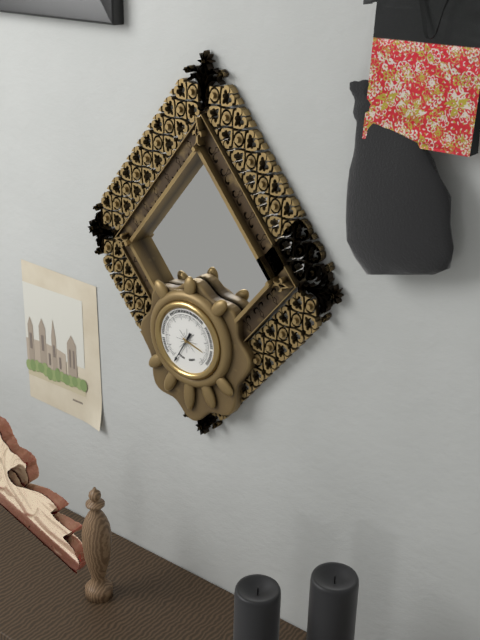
3h35
